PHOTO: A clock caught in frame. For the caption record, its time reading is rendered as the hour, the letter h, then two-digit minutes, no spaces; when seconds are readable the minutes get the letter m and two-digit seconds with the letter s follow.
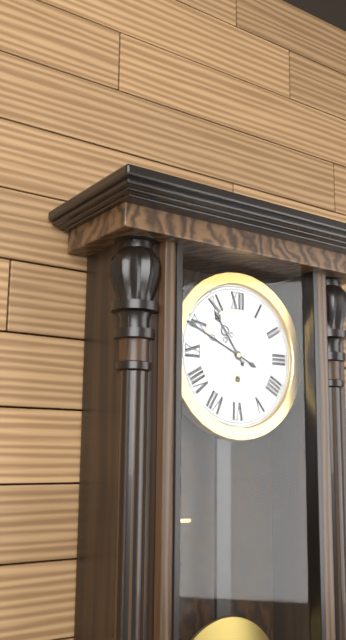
10h49
